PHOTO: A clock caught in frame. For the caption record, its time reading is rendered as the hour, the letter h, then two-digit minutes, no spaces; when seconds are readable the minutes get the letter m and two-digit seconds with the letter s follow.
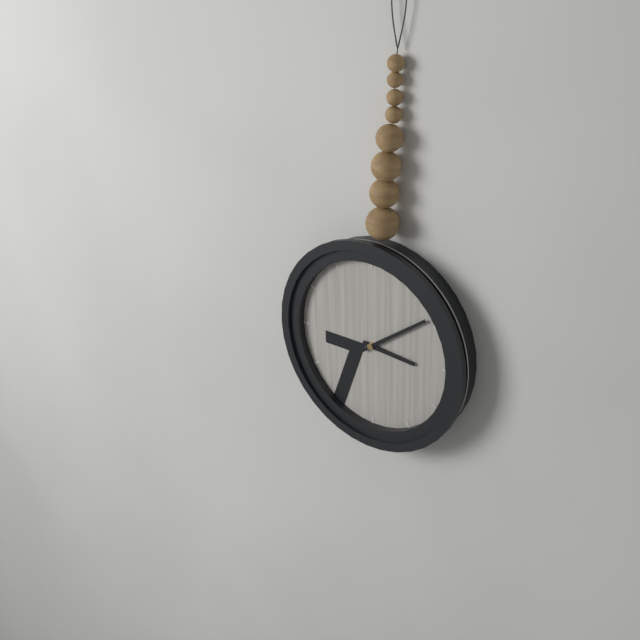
3h09
